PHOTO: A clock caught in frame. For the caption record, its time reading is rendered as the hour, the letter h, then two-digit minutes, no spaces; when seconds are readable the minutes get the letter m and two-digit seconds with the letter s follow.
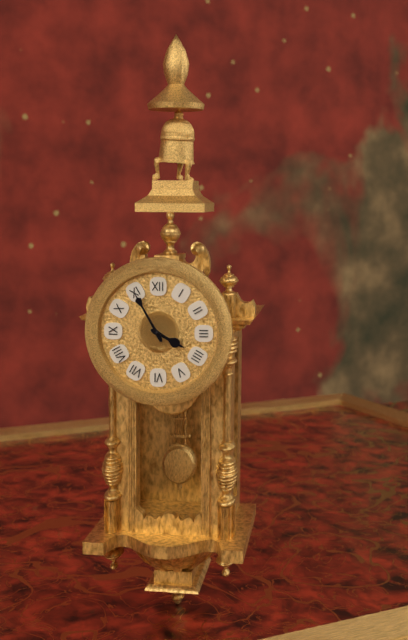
3h55
